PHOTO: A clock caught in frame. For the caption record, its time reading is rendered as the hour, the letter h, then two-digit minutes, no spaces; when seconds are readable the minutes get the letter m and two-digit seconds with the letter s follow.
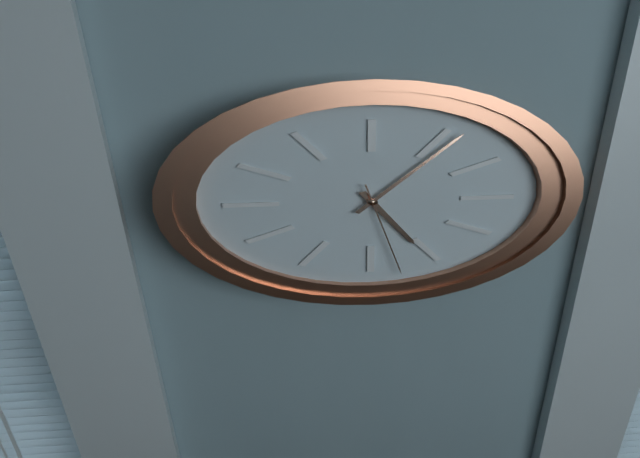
5h06m28s
